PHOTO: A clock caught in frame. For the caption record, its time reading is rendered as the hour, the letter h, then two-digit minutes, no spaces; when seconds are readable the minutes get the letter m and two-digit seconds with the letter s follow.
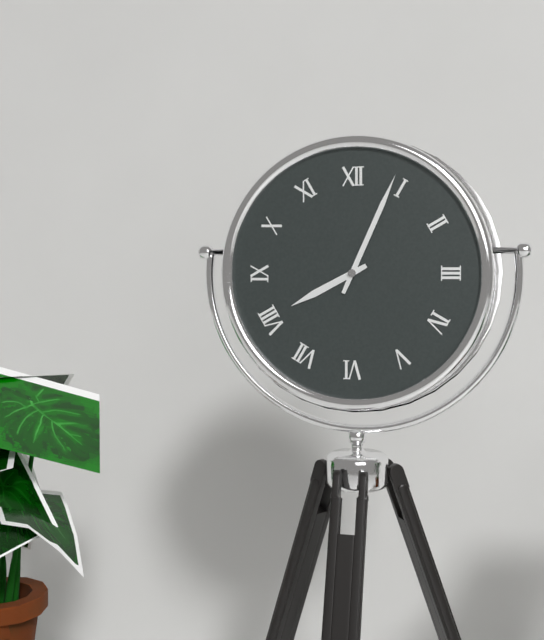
8h04
